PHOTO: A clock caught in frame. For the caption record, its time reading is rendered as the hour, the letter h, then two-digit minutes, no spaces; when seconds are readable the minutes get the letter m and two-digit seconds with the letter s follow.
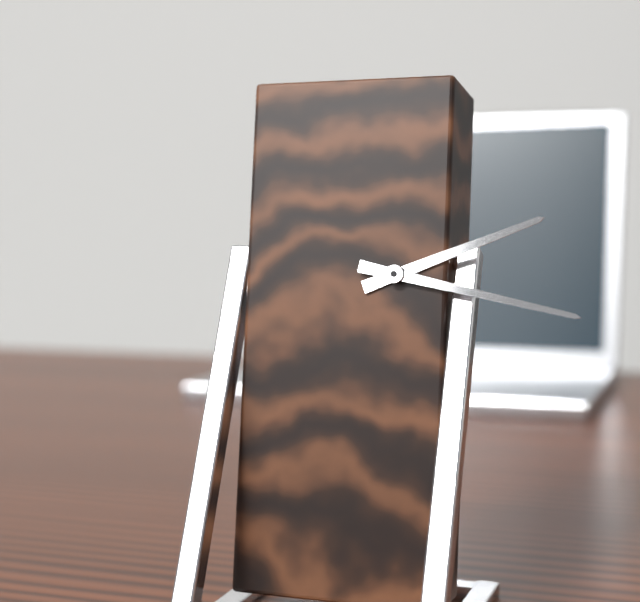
2h17
